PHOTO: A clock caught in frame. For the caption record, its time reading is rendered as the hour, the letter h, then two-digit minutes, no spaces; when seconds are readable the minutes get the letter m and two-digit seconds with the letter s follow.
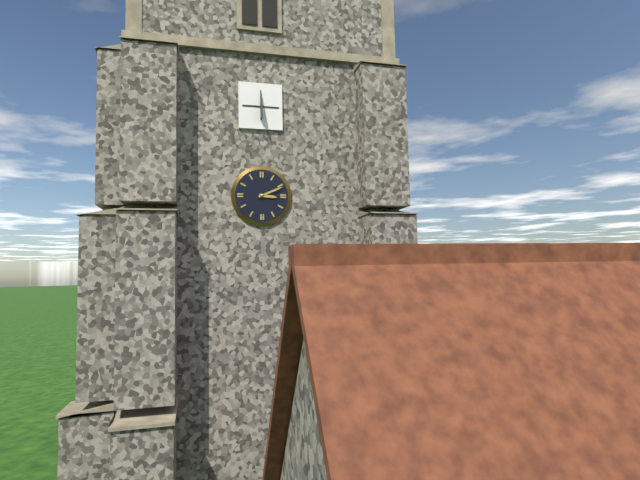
3h11
